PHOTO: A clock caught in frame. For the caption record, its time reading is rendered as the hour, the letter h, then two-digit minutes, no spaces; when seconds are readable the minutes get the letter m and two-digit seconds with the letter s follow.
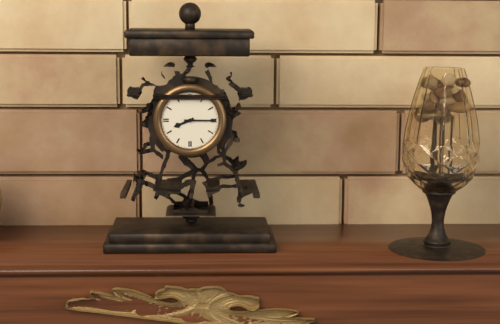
8h15
